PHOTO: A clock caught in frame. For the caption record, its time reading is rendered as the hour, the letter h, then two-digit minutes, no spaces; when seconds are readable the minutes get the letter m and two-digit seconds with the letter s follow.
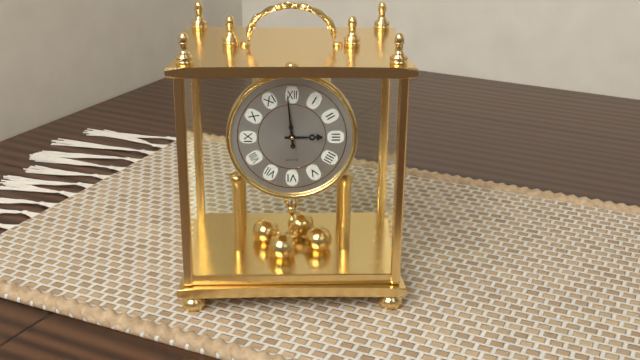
2h59
